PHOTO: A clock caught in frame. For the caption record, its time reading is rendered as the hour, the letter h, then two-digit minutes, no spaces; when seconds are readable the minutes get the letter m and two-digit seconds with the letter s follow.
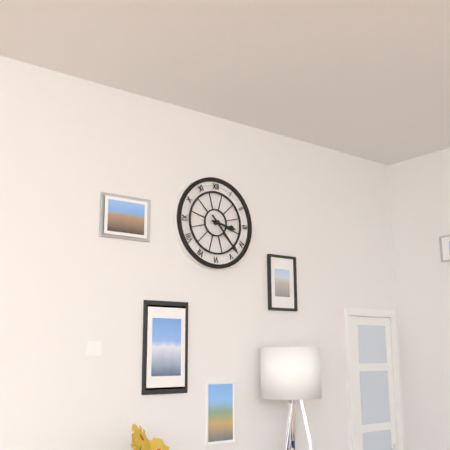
3h23
